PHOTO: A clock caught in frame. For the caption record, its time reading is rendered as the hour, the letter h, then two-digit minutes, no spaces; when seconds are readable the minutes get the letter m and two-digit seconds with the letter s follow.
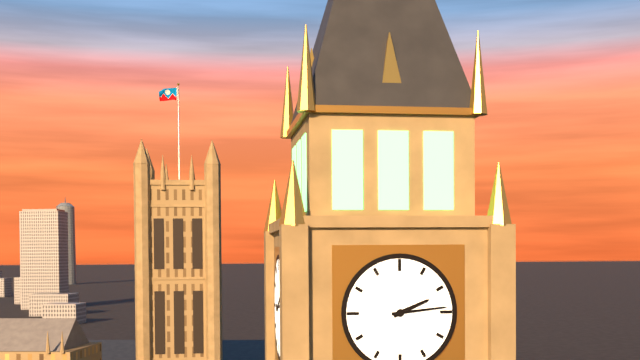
2h14
